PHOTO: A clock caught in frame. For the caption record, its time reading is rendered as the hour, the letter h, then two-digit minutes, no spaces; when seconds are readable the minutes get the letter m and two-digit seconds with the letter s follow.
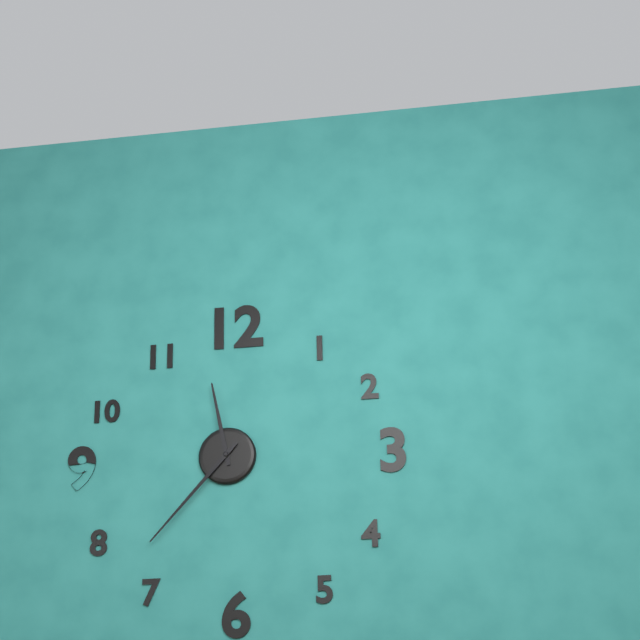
11h37
